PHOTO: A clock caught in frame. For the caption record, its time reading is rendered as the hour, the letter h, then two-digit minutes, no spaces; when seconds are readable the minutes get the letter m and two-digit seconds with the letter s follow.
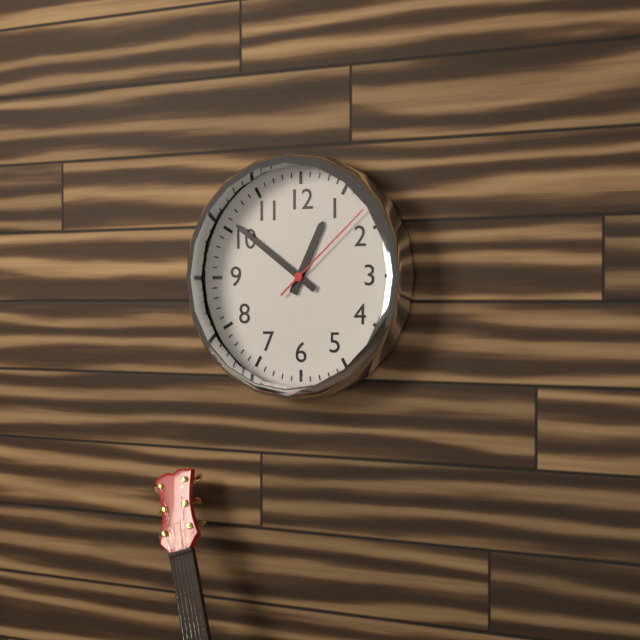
12h51m08s
